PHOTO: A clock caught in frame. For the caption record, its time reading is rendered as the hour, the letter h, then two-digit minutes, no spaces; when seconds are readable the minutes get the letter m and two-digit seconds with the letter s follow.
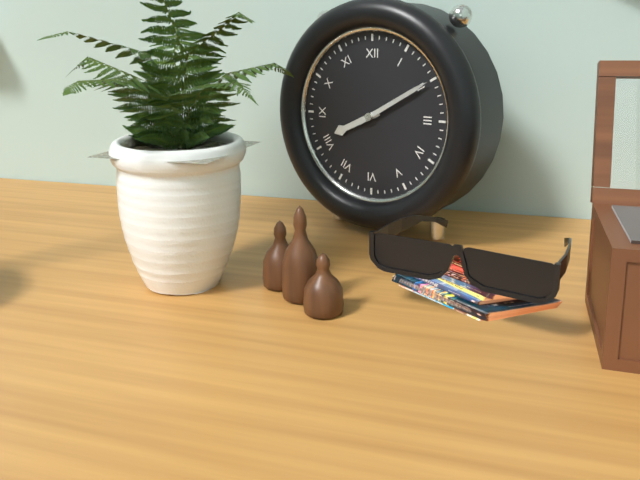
8h10
